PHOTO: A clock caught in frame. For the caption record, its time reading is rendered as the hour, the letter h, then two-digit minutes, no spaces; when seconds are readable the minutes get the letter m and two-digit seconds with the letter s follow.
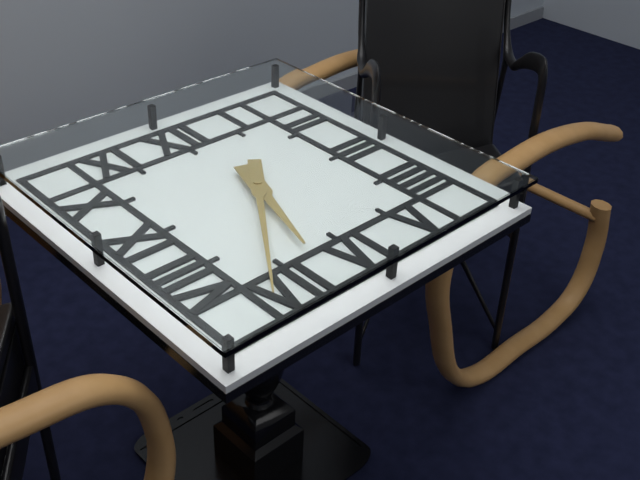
6h36
